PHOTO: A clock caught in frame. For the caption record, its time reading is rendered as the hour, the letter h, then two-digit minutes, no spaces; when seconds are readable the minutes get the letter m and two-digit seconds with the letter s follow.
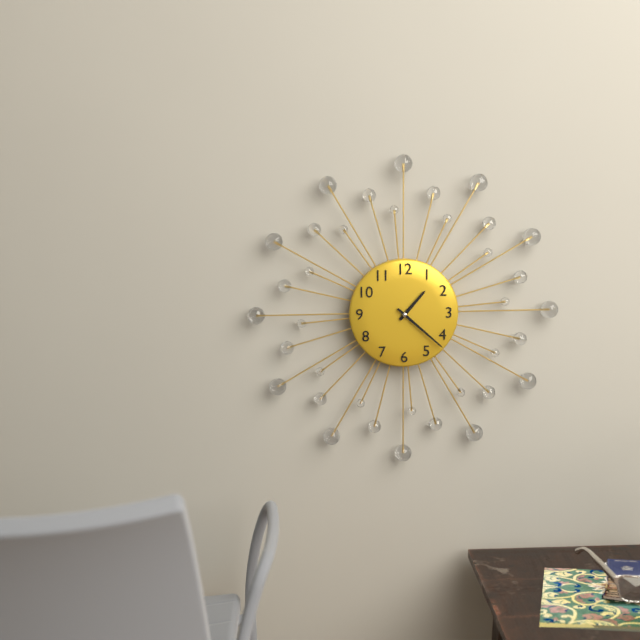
1h22
